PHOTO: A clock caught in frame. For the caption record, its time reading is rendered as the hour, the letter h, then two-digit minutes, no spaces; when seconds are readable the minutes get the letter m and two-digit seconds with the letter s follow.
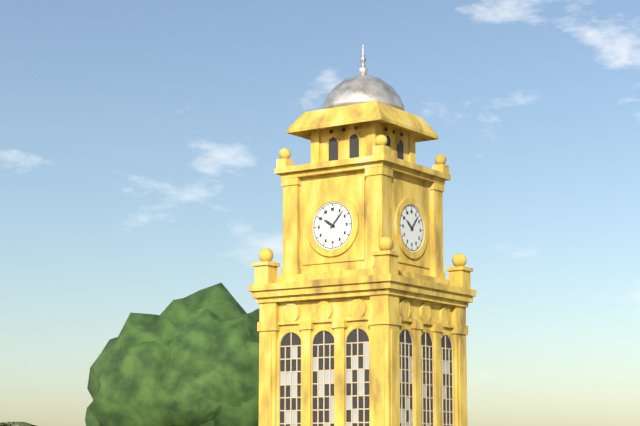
10h07
